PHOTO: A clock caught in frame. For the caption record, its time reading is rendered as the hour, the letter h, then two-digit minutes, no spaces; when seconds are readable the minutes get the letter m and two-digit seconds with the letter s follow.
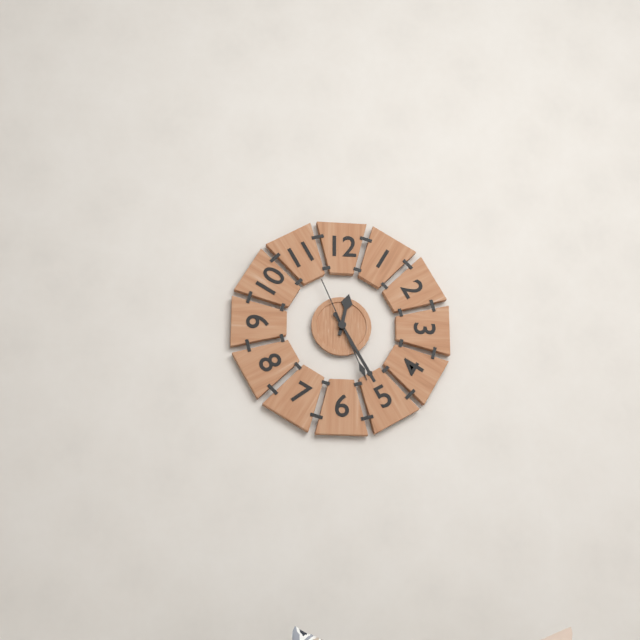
12h25m26s
